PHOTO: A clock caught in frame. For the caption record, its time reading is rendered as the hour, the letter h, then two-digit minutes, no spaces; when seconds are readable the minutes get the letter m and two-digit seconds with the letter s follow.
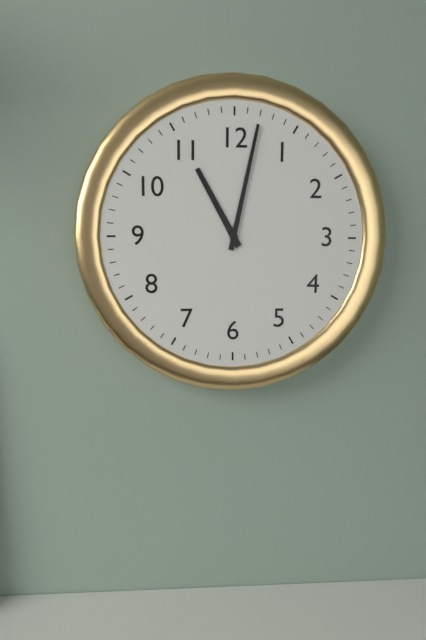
11h02
